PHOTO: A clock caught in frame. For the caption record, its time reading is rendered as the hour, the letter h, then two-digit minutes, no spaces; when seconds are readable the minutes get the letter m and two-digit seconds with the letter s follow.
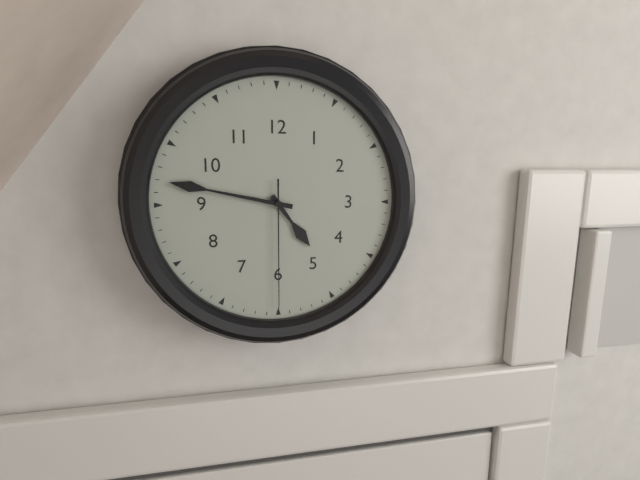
4h47m30s
